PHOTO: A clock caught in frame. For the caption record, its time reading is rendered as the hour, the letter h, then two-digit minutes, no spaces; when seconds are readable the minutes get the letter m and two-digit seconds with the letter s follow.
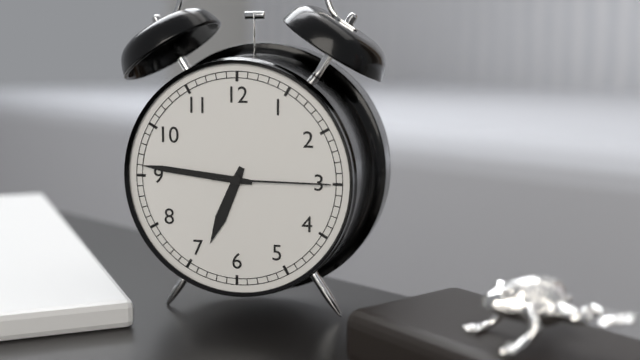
6h46m15s
